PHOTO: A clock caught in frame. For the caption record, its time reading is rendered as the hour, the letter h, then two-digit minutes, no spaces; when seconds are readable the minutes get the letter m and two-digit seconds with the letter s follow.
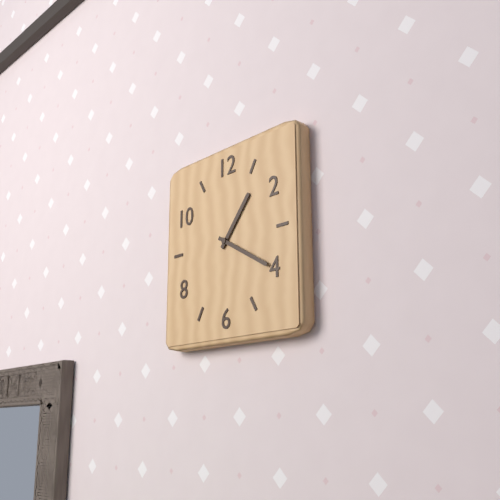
1h20
